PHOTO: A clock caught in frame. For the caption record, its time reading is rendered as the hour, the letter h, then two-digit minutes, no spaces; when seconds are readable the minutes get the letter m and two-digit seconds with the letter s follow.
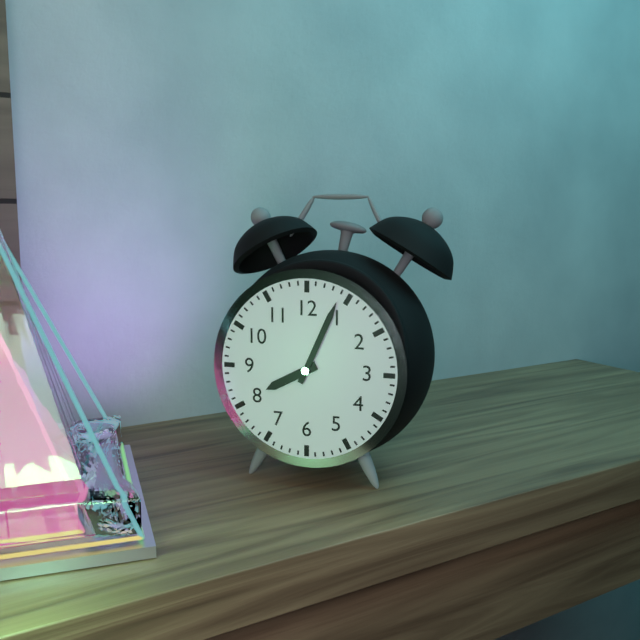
8h04
